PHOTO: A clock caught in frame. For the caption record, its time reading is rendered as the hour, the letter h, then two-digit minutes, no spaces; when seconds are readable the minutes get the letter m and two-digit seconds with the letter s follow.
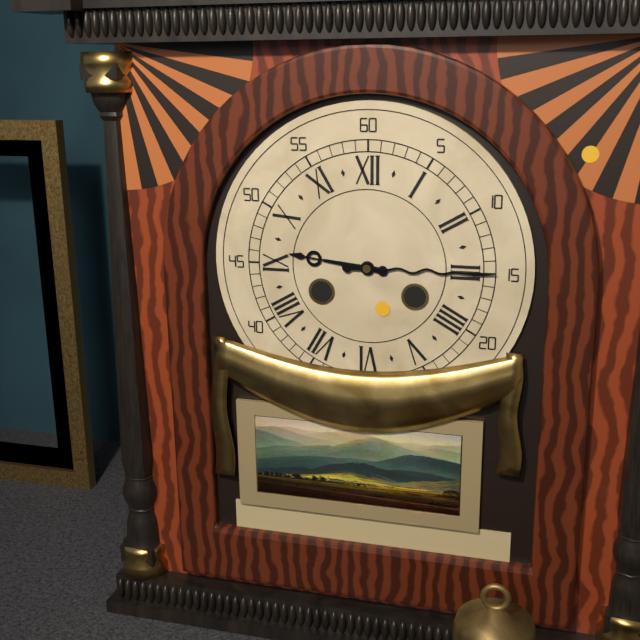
9h15
